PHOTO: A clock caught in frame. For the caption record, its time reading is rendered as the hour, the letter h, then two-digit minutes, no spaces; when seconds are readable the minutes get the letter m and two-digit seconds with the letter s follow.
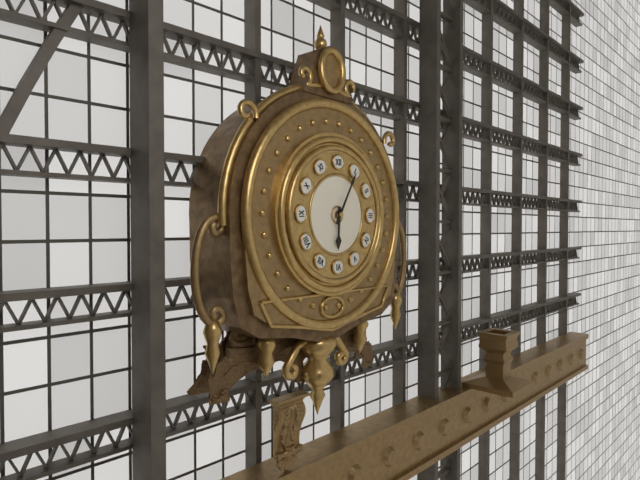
6h05
